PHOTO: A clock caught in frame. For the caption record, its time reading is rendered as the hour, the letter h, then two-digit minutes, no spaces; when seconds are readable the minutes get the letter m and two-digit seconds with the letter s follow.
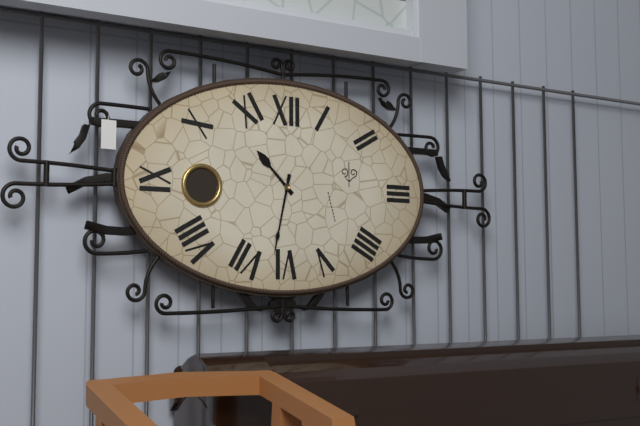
10h32
